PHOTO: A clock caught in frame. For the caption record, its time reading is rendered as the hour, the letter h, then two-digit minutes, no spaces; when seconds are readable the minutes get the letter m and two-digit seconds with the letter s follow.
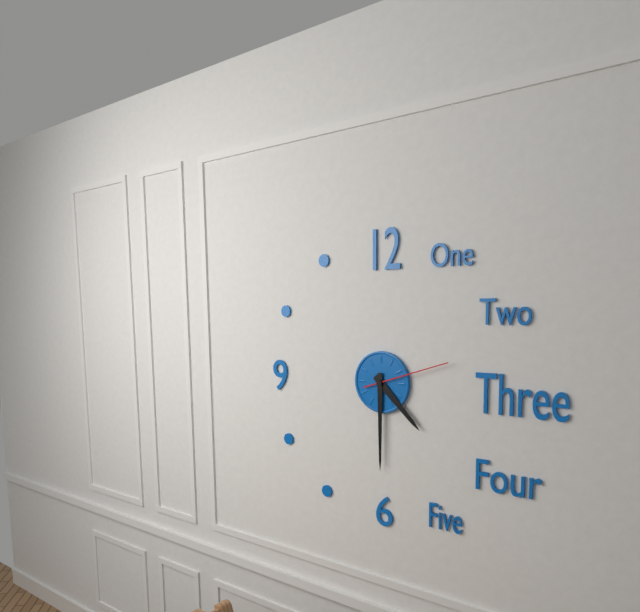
4h30m12s
